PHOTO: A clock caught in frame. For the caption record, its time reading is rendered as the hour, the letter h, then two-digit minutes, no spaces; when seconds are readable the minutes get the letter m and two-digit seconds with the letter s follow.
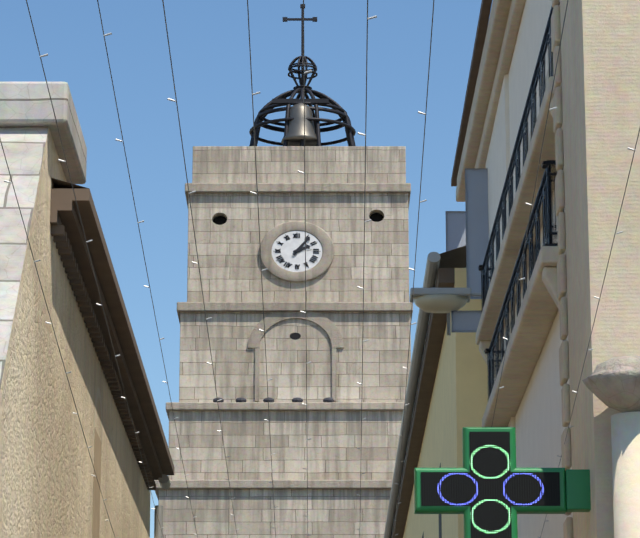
2h06
